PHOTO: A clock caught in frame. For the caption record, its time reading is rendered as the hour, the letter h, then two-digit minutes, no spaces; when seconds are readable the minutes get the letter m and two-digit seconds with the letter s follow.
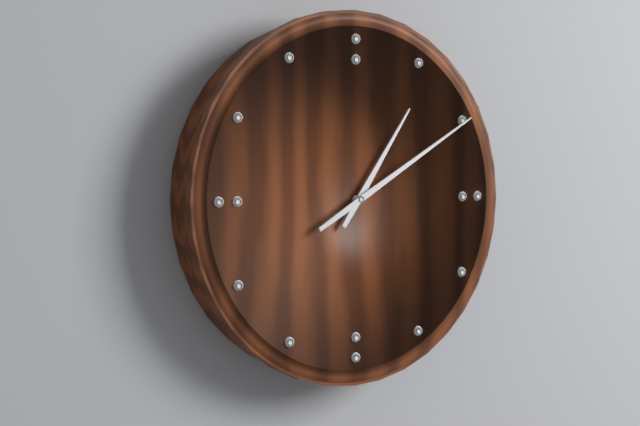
1h10
